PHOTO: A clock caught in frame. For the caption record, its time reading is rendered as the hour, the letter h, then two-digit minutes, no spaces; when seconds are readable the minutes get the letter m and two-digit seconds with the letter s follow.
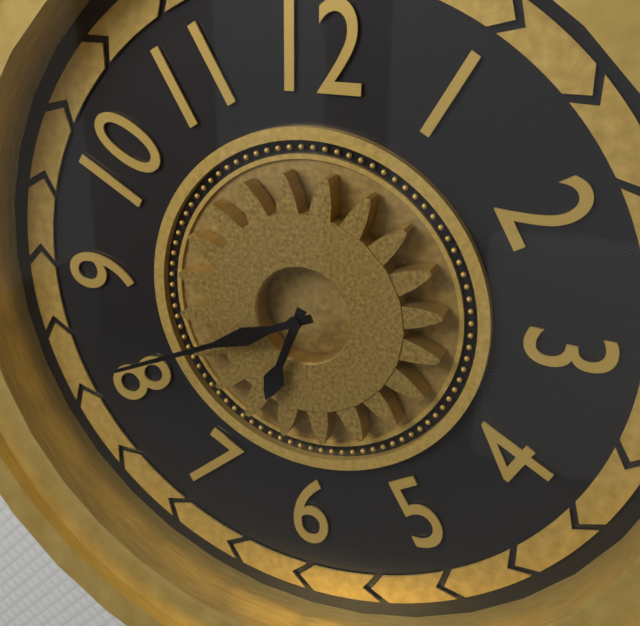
6h41
